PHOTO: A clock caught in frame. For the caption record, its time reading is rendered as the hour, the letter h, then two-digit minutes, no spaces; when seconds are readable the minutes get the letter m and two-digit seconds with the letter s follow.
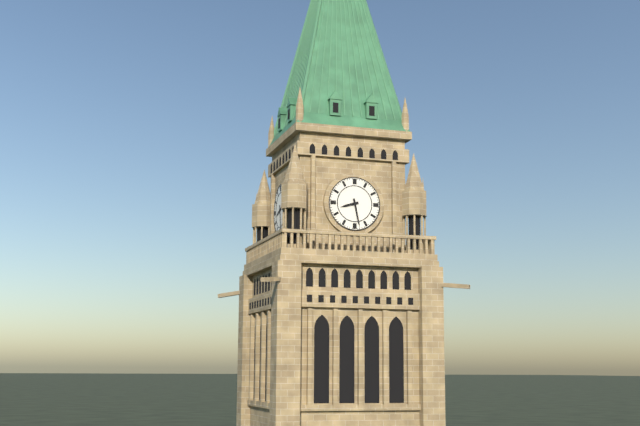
8h28
